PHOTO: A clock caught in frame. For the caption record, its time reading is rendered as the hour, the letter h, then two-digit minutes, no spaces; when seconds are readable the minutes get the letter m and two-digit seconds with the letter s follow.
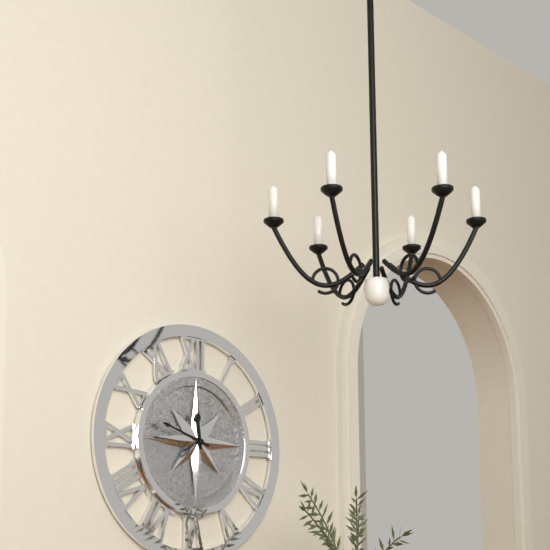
11h48
